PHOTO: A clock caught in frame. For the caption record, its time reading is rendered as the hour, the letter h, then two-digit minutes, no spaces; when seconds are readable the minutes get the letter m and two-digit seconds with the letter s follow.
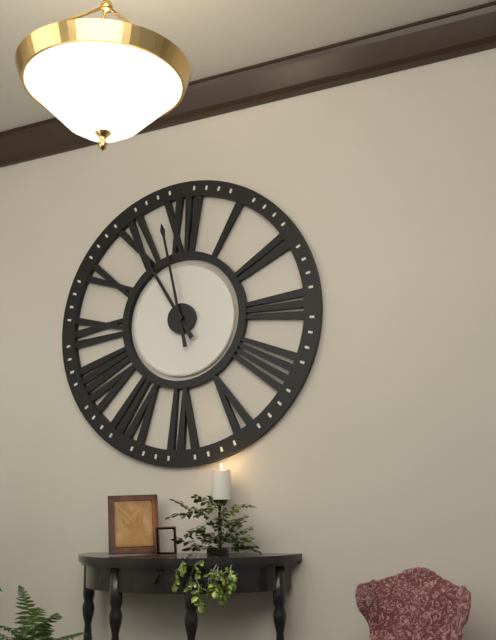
10h58
